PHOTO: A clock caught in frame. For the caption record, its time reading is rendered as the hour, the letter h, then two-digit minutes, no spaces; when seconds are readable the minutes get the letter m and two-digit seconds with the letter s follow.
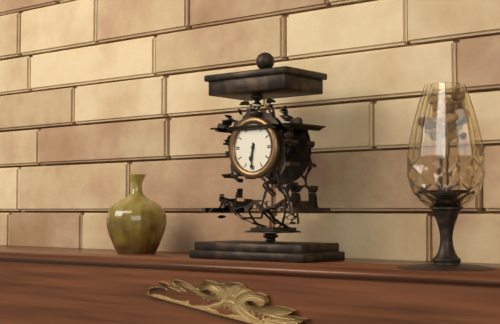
6h31
